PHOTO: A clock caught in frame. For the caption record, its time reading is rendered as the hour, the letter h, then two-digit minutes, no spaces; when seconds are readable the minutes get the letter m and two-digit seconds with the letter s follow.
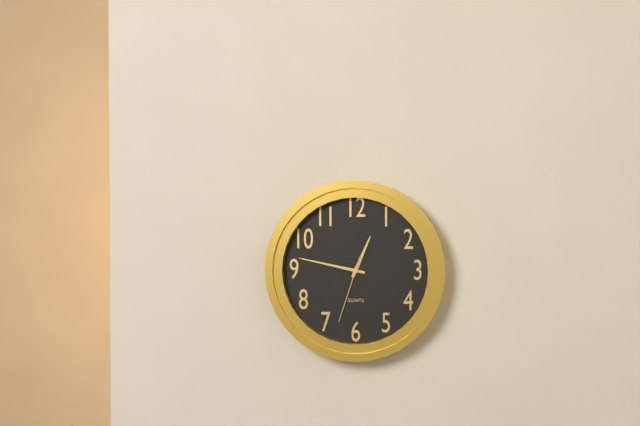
12h47m33s
